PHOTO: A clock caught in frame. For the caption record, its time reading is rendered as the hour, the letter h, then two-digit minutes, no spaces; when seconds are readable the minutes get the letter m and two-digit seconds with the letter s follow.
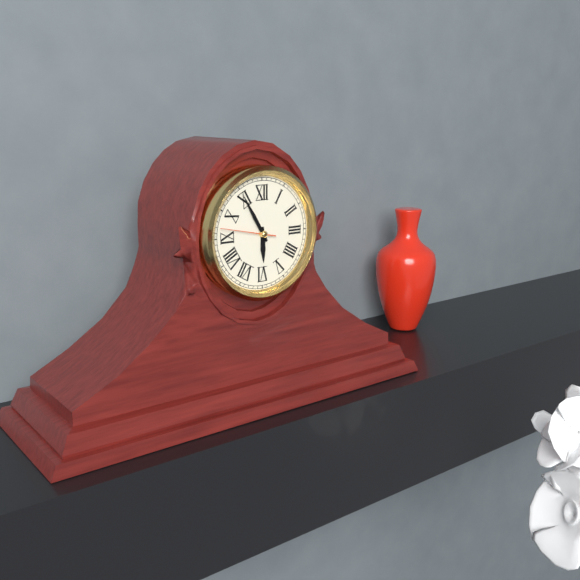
5h55m47s
